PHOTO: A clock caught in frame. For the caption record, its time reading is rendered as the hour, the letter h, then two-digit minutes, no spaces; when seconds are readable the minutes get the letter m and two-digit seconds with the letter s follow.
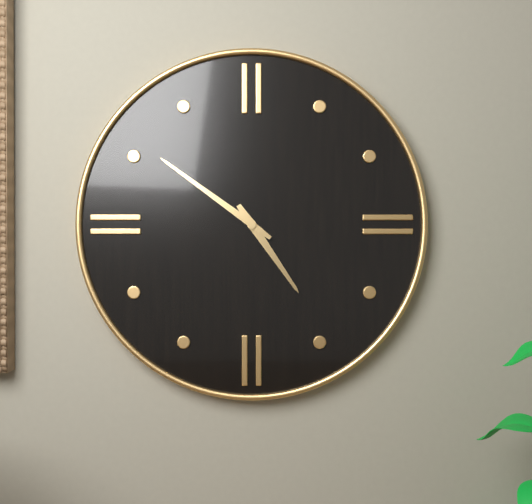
4h51
